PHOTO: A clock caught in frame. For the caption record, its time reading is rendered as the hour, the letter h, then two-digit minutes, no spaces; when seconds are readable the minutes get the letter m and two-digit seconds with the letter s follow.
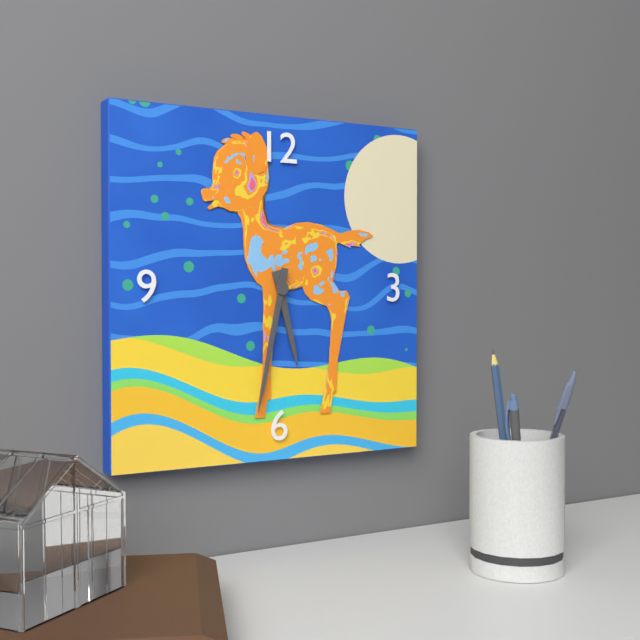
5h32
